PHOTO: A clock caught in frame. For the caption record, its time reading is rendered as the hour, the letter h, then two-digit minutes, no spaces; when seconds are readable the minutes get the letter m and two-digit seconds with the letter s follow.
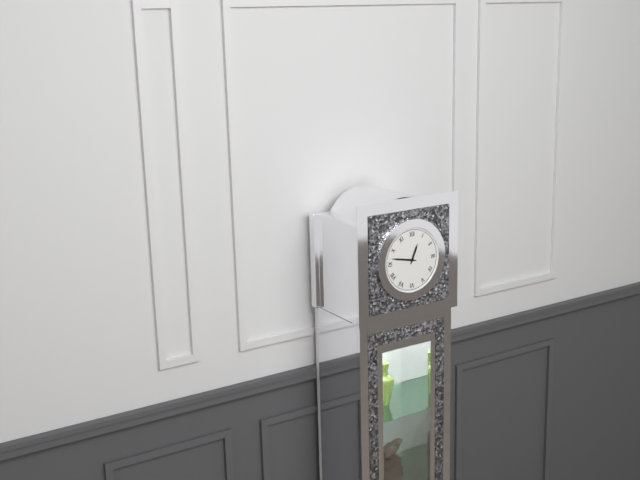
12h47
